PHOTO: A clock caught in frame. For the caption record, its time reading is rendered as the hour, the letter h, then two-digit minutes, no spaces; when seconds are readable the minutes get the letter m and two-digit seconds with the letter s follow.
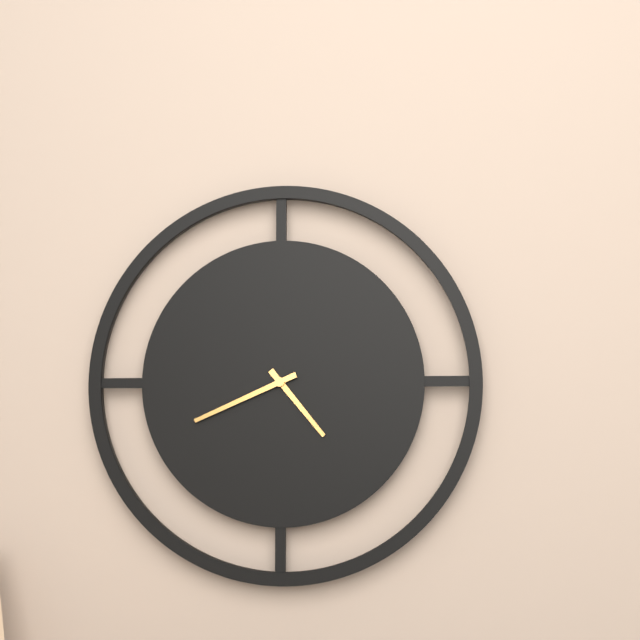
4h41
